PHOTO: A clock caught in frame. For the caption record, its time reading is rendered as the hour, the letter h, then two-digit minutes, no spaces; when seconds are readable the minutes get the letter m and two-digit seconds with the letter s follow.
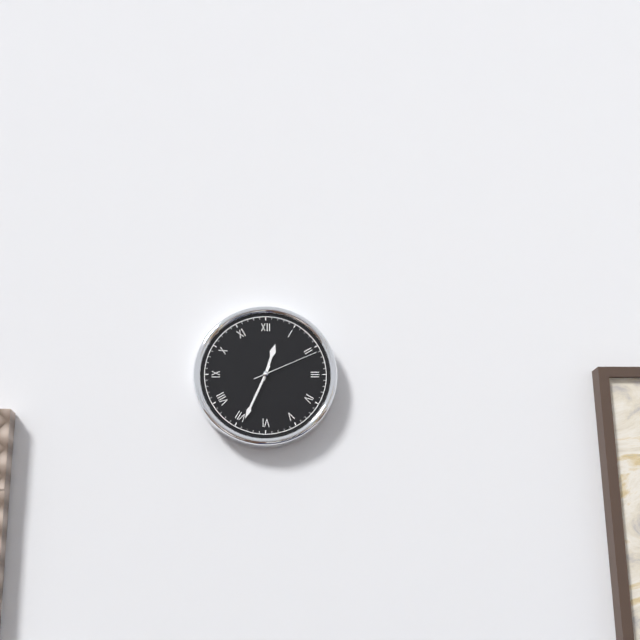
12h34m11s
